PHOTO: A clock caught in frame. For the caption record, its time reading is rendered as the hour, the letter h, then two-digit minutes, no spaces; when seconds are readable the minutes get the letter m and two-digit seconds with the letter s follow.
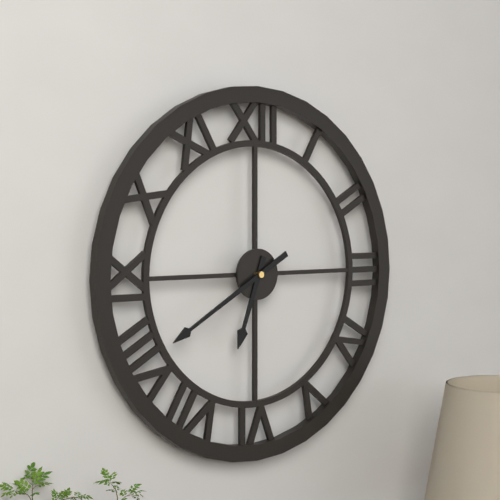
6h40
